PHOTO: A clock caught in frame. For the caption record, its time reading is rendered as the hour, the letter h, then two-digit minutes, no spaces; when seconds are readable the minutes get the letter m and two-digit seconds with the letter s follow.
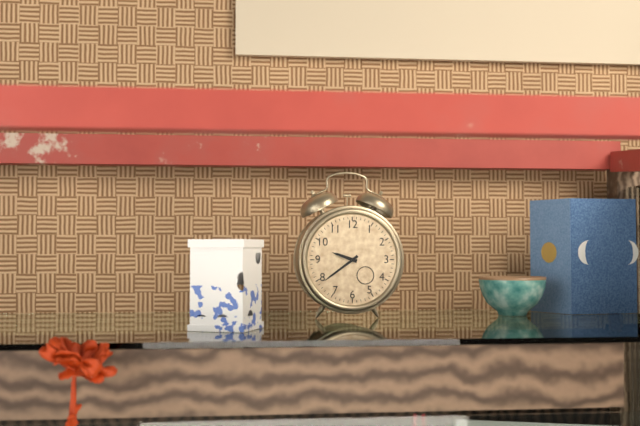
9h39
